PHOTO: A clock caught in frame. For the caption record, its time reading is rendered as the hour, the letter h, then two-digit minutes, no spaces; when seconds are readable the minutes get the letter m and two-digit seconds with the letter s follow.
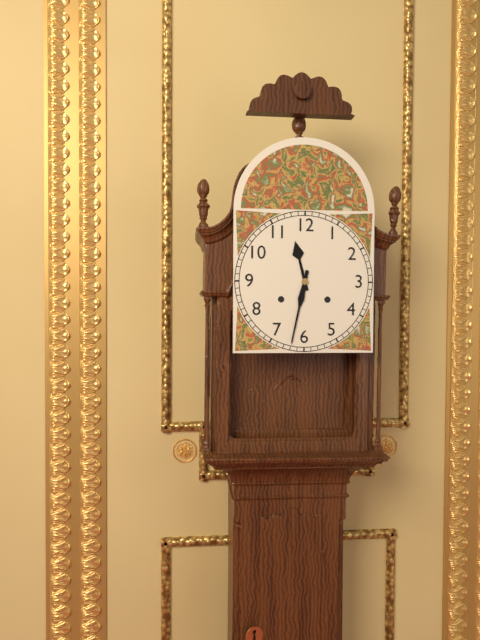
11h32
